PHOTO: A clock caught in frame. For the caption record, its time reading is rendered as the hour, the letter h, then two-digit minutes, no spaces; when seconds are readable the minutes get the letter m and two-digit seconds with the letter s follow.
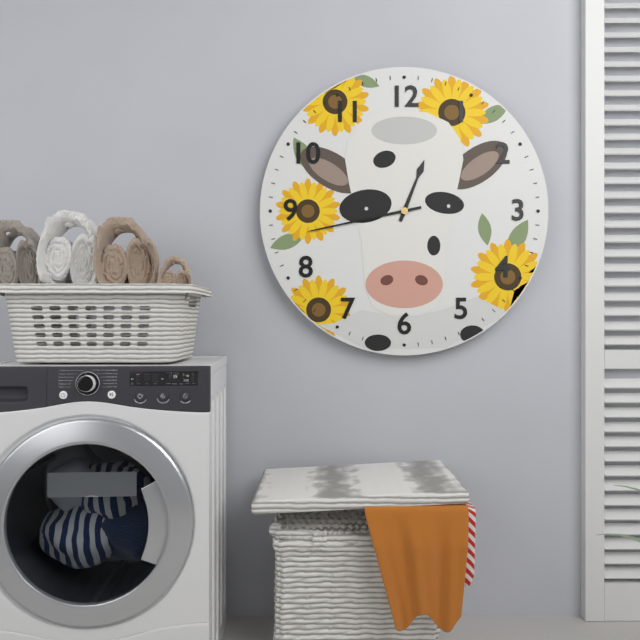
12h43
